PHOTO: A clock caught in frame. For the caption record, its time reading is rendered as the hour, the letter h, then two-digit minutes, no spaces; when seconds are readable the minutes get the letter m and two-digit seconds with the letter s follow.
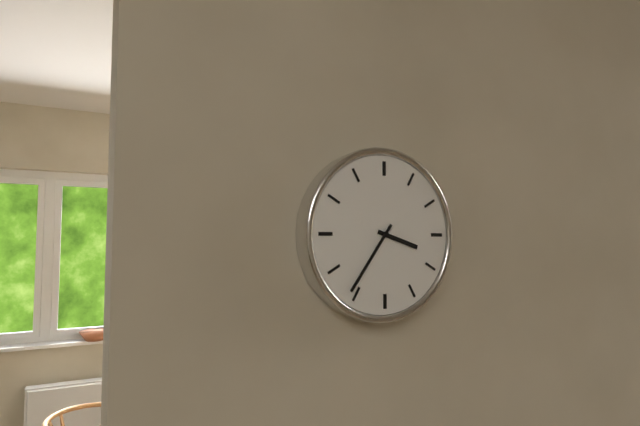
3h36
